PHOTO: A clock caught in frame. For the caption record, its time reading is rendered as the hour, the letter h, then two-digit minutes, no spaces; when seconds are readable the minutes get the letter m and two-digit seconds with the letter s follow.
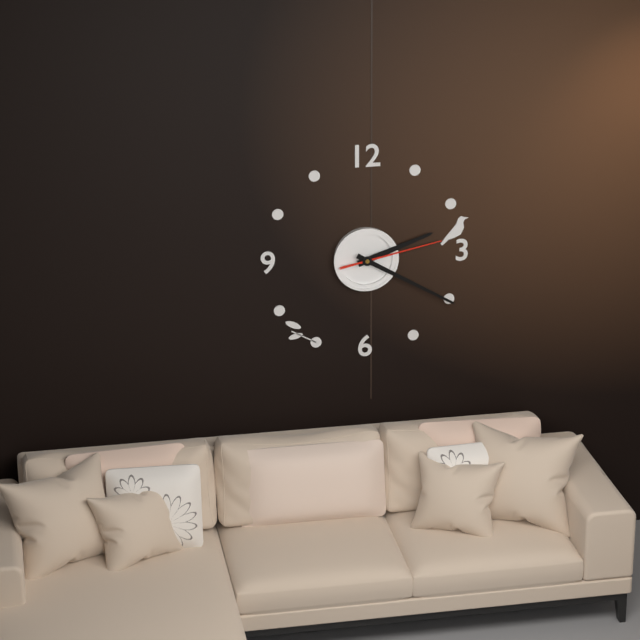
2h20m13s
